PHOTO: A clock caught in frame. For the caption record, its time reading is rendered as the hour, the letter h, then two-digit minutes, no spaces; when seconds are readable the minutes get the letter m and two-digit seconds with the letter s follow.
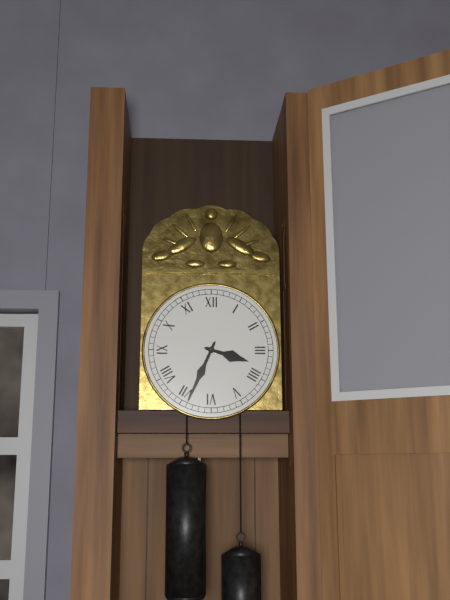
3h34
